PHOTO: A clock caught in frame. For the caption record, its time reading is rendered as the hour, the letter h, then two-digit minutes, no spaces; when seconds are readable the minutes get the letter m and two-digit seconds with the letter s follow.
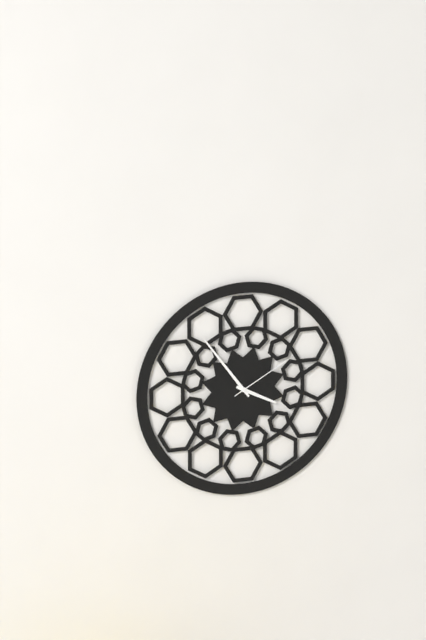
3h54m10s
